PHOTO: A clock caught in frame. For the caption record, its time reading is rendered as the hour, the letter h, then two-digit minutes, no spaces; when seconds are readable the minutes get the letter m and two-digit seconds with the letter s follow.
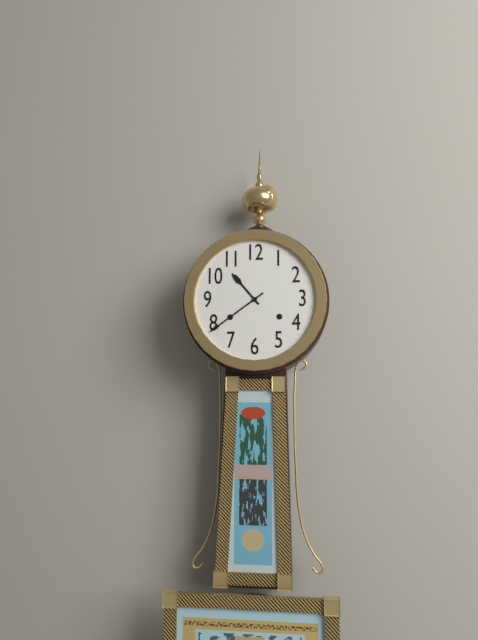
10h39
